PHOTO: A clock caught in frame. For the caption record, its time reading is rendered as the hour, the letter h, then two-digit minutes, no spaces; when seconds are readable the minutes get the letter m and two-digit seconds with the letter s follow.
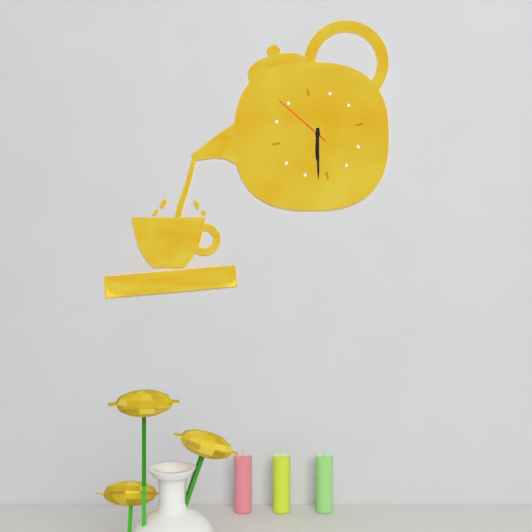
6h32m54s
